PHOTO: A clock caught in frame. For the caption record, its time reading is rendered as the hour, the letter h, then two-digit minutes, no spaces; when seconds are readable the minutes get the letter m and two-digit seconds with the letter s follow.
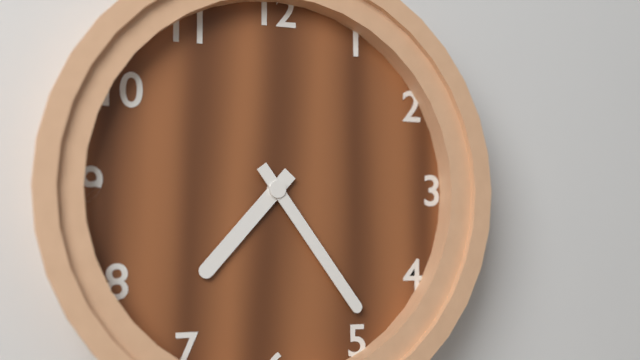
7h24
